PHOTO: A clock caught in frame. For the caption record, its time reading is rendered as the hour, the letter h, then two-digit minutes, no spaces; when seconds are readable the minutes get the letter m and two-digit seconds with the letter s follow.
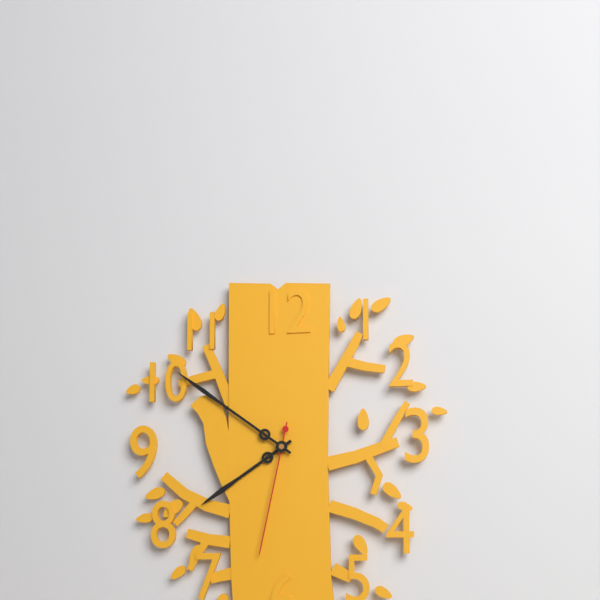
7h51m32s
